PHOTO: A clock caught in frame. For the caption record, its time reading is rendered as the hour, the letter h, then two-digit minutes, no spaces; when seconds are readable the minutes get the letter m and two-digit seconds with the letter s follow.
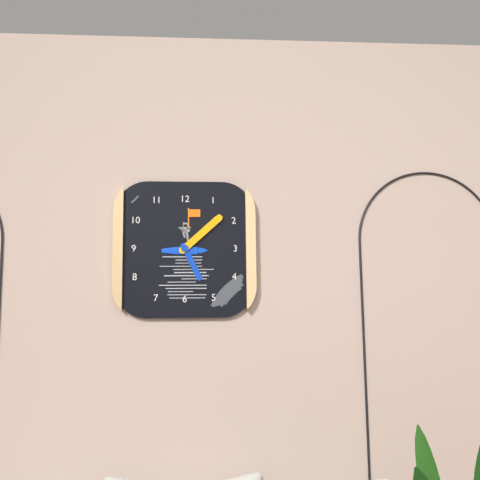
5h08
